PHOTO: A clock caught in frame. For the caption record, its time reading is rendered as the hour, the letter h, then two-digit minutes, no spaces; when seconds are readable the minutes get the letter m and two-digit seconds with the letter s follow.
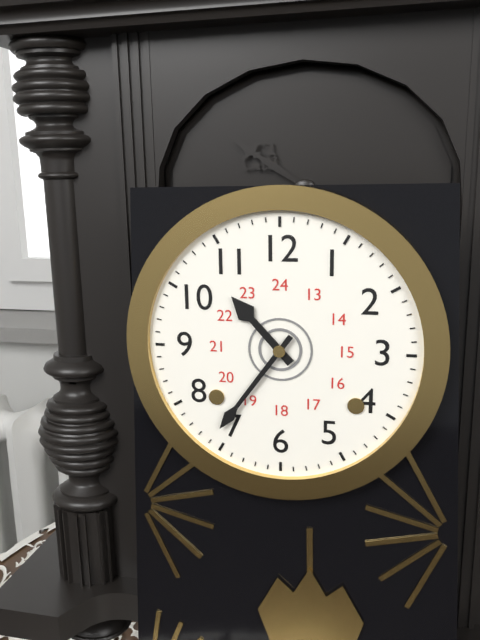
10h36
